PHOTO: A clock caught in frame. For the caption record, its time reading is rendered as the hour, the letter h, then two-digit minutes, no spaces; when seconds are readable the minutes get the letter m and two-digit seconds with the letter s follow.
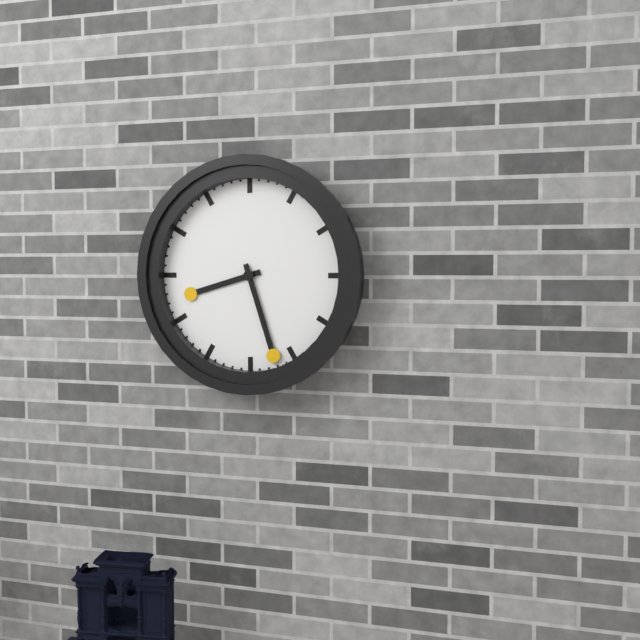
8h27
